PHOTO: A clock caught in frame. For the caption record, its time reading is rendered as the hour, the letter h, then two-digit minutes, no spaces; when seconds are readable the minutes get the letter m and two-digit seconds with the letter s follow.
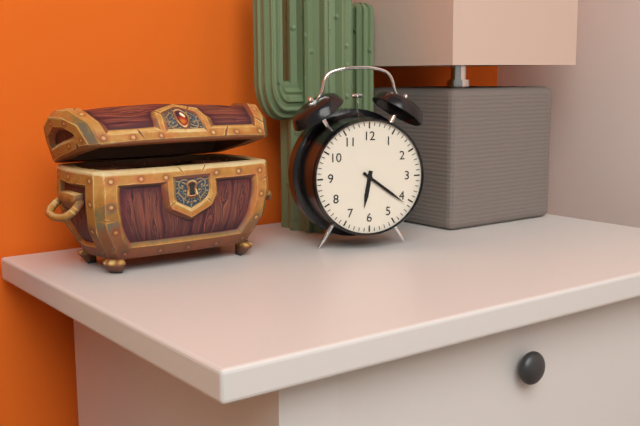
6h21
